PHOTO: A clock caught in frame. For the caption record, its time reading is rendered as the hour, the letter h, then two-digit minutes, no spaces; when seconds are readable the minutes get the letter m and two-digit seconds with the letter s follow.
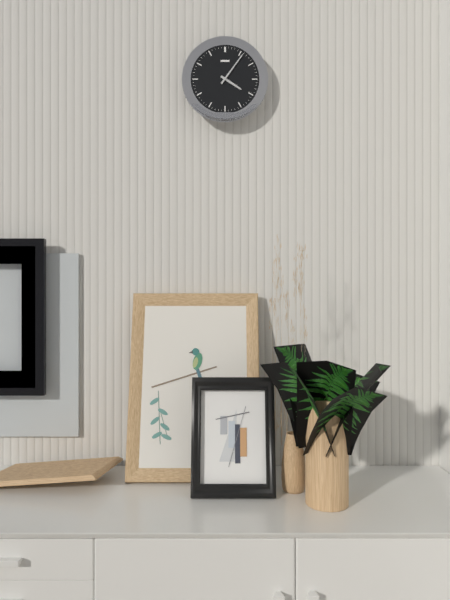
4h06
